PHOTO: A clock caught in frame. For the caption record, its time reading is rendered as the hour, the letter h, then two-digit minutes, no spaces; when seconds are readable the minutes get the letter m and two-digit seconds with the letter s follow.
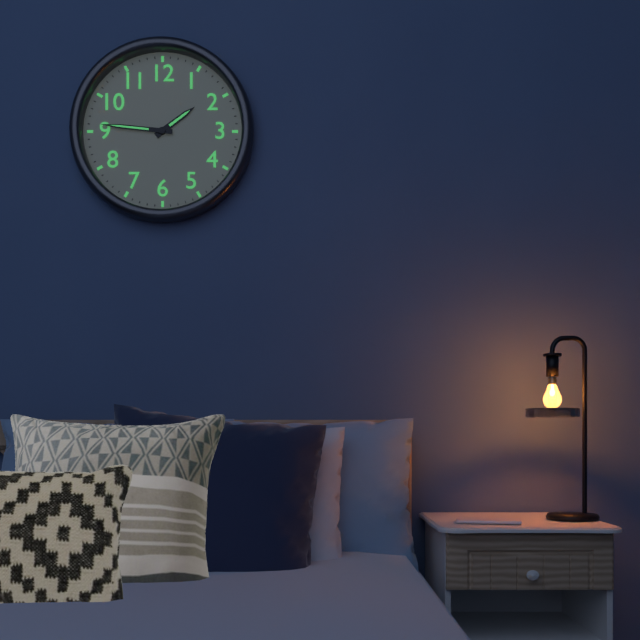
1h46
